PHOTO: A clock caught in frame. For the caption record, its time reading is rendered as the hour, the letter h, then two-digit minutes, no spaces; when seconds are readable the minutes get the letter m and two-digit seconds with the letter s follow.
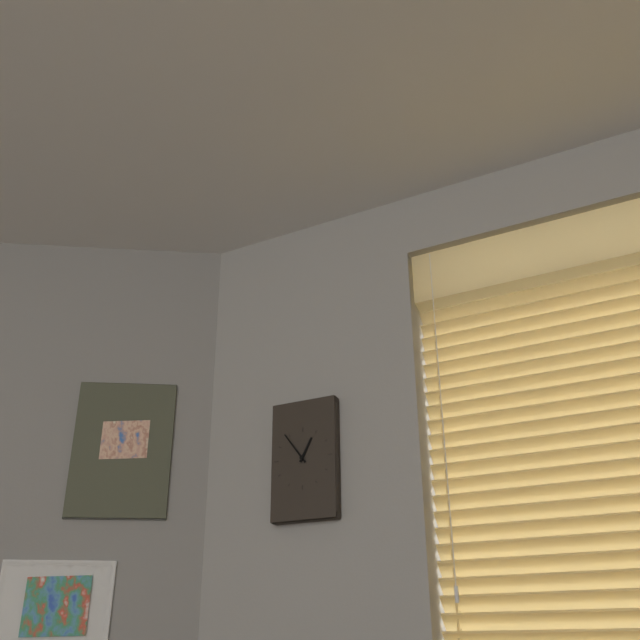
12h54
